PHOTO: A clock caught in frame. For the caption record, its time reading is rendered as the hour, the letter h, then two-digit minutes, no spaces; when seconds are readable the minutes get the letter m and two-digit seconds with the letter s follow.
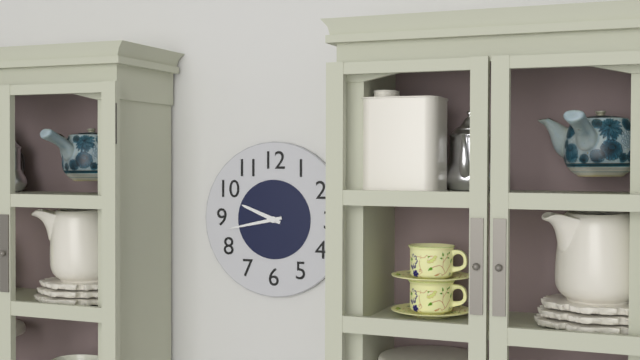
9h43
